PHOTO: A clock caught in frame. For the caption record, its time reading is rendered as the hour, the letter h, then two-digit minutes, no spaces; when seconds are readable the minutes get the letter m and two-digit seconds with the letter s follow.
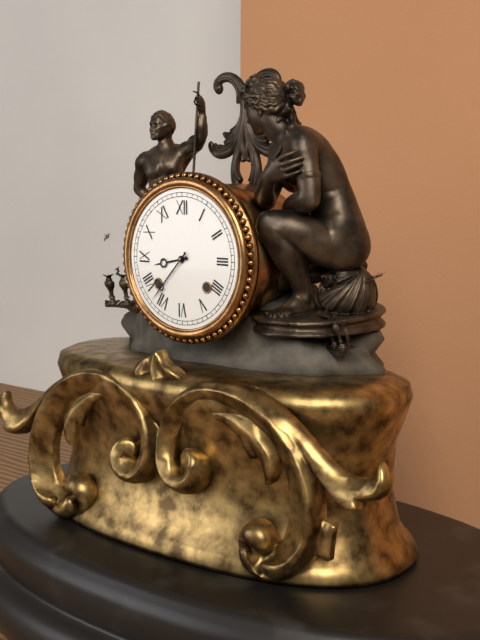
8h37
